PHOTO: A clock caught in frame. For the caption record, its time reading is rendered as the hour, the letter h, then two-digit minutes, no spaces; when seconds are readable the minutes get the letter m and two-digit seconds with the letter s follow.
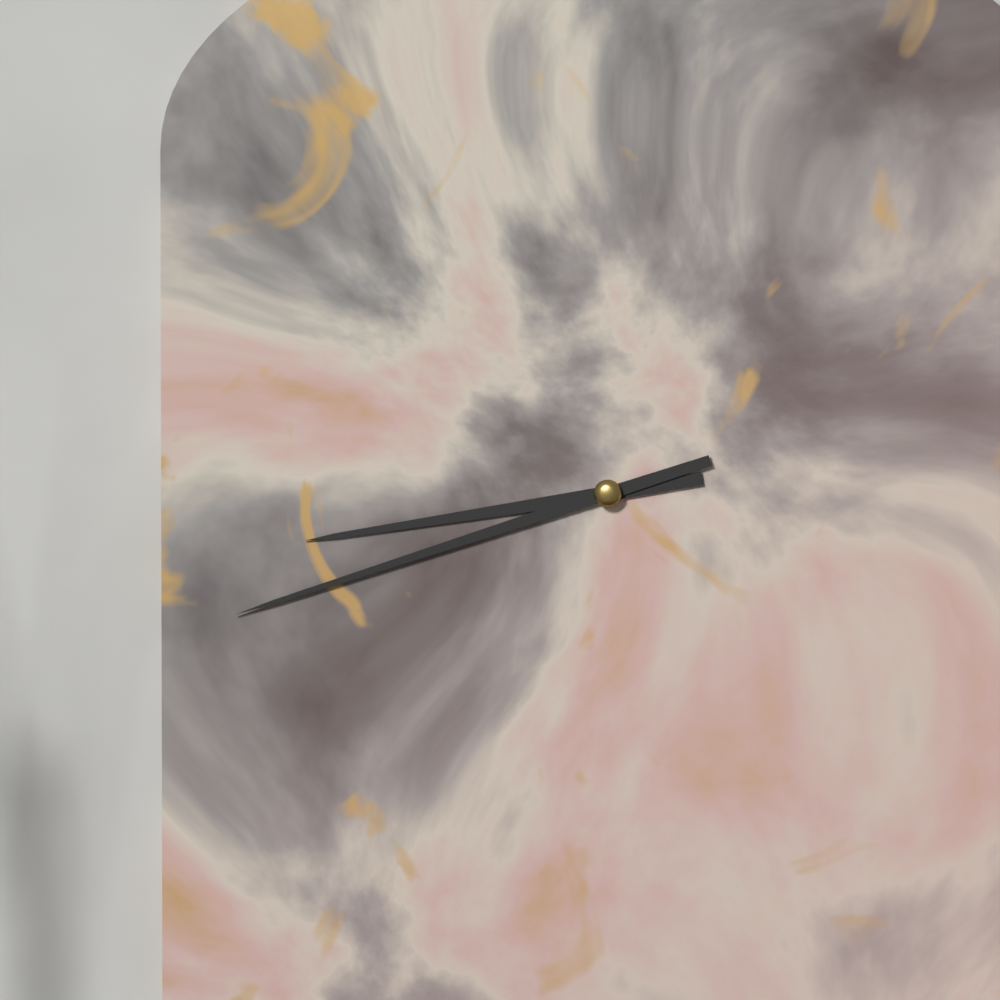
8h42
